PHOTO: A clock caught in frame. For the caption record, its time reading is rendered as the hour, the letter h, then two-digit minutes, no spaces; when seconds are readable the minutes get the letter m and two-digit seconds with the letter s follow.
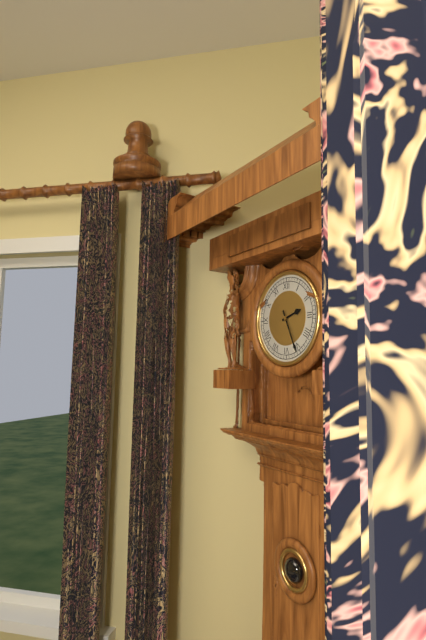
2h26
